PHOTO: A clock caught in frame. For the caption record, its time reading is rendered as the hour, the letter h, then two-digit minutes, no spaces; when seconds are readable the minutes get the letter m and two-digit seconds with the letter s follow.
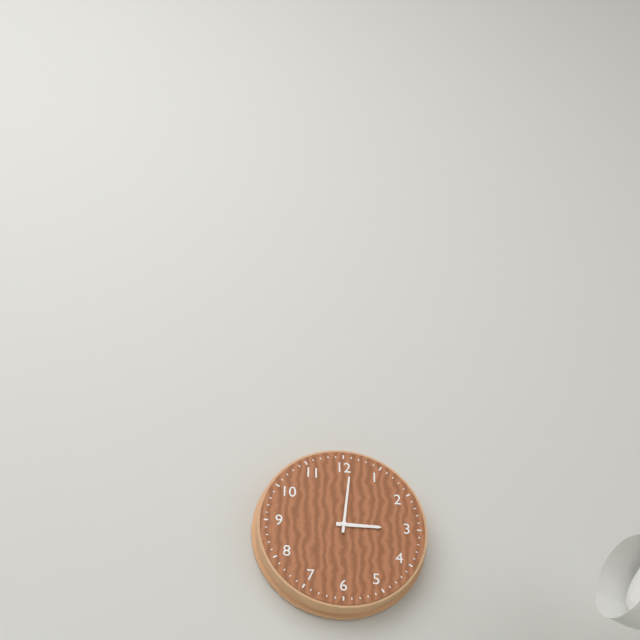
3h01
